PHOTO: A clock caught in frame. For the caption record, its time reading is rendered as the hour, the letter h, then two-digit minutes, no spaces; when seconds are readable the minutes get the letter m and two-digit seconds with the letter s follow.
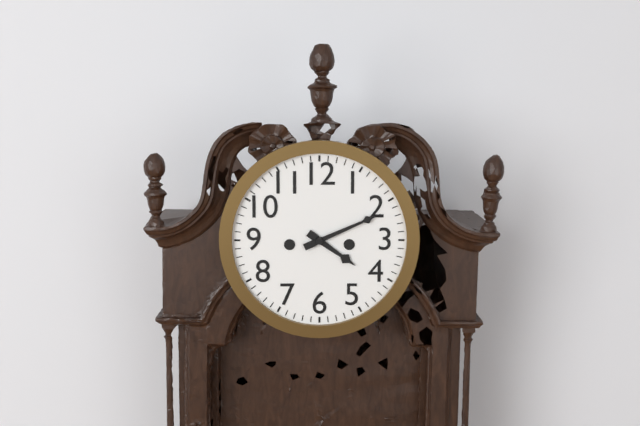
4h11
